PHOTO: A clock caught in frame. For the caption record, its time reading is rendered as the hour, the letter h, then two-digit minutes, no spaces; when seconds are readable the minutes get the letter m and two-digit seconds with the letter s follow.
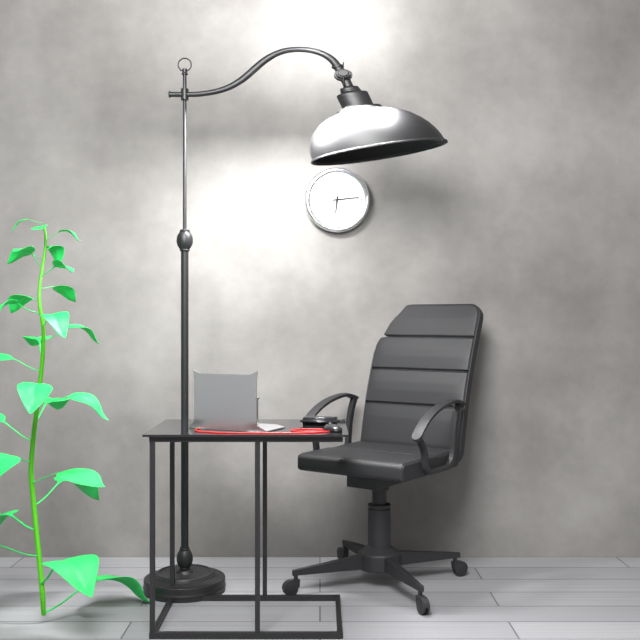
6h14
